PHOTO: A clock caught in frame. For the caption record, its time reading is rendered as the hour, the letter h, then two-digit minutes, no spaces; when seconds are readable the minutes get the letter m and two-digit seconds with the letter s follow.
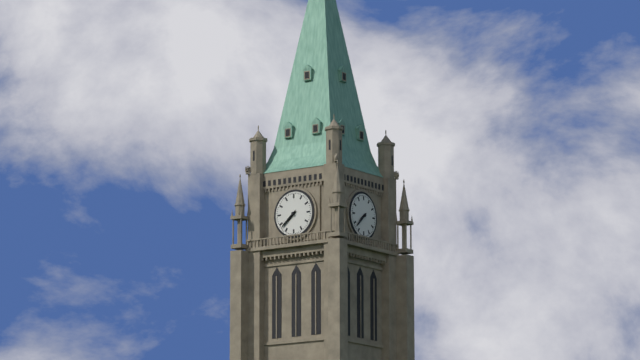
7h38
